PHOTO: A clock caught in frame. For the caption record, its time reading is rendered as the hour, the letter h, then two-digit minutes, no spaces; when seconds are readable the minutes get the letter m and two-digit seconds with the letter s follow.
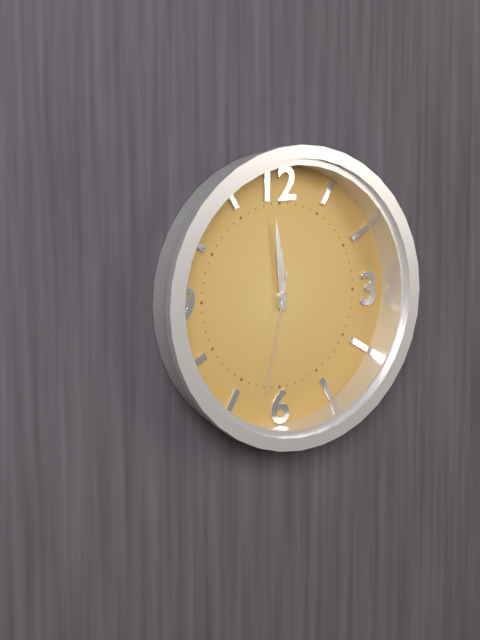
11h59m32s
